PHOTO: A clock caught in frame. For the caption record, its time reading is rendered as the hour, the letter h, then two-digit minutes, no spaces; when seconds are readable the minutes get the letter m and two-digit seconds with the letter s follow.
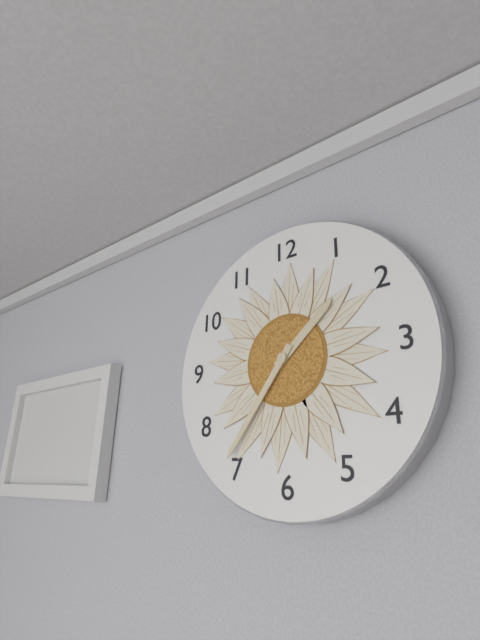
1h36
